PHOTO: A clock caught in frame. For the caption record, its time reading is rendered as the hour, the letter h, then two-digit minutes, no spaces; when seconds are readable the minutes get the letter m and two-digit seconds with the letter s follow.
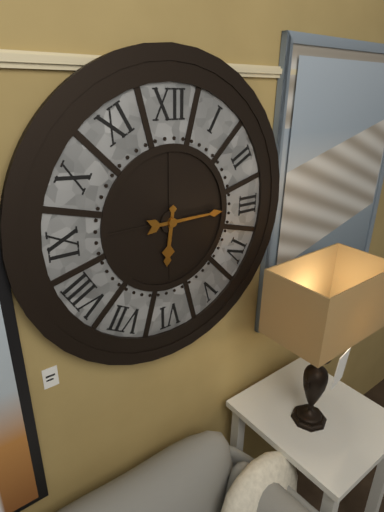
6h15
